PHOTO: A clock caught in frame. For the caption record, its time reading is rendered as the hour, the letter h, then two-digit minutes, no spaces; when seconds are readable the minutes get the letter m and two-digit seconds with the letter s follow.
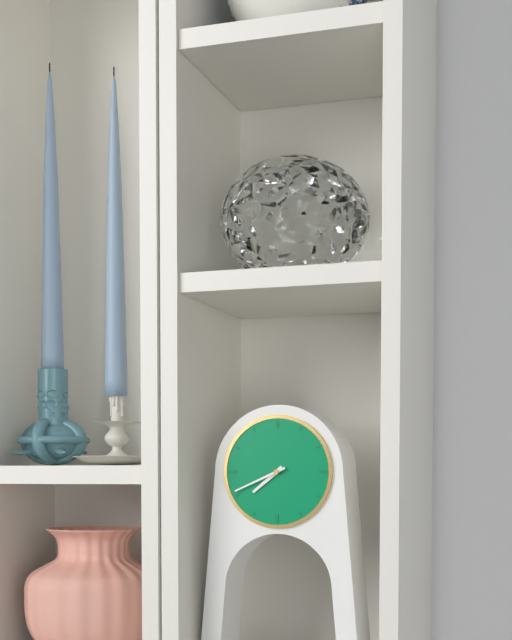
7h41
